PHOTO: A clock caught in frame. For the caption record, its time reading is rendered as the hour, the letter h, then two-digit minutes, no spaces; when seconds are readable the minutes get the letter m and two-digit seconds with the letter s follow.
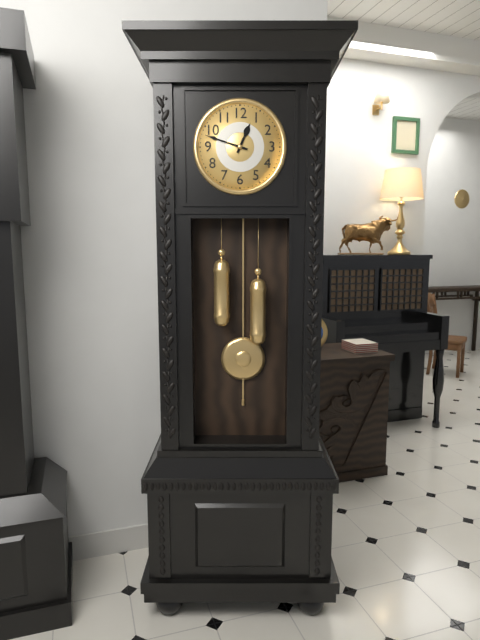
12h48
